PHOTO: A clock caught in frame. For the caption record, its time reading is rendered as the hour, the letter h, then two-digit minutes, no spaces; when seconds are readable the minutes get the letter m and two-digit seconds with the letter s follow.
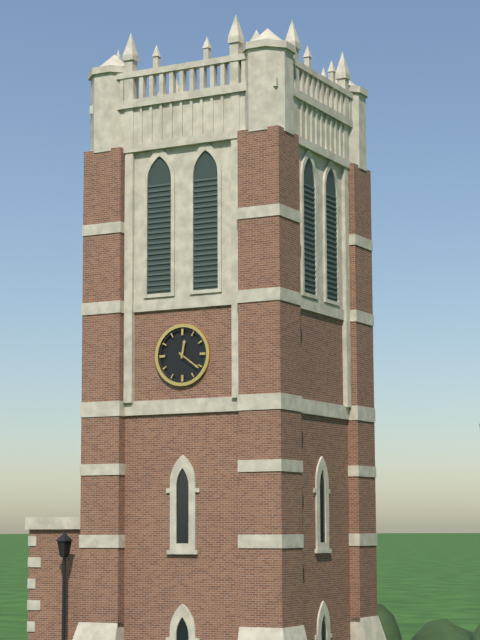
12h21
